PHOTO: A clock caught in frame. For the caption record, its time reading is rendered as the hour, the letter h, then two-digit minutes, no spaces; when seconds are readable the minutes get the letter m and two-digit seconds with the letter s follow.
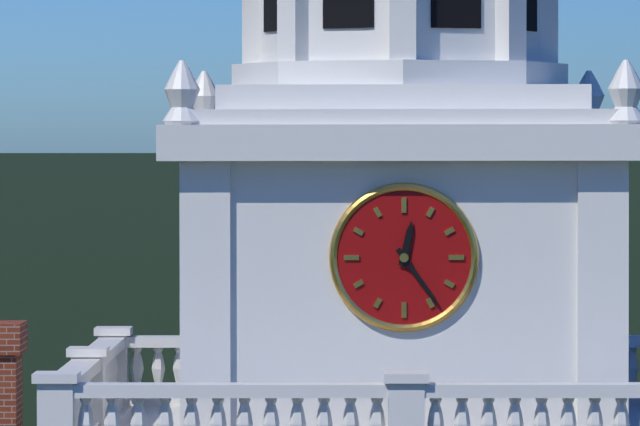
12h24
